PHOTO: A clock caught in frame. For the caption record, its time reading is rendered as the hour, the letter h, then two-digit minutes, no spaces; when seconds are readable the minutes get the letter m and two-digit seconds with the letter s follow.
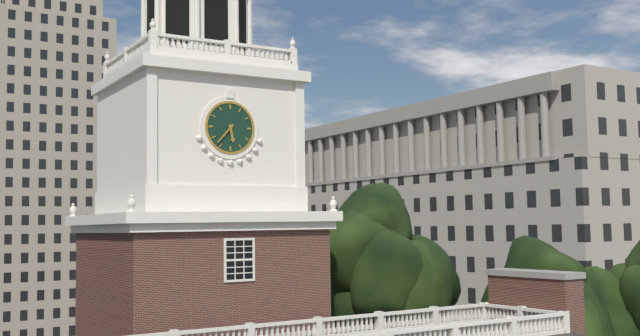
5h37
